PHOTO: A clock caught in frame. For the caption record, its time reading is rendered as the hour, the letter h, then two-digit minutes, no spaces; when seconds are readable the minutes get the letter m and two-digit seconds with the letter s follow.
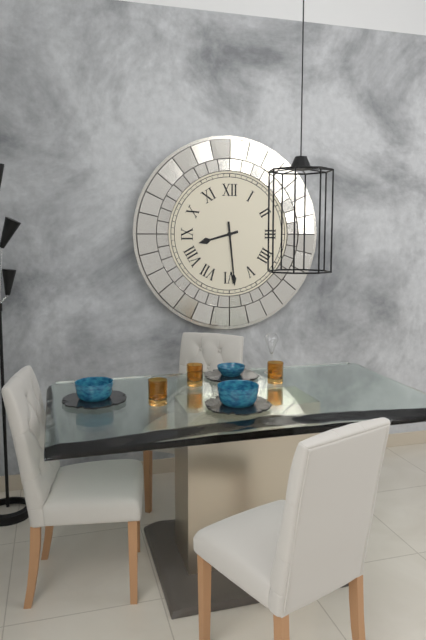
8h29
